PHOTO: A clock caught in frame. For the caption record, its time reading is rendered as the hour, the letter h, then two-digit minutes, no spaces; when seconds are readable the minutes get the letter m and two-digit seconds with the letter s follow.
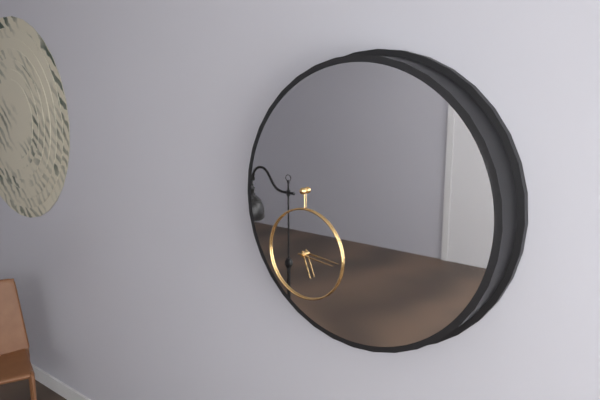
5h16
